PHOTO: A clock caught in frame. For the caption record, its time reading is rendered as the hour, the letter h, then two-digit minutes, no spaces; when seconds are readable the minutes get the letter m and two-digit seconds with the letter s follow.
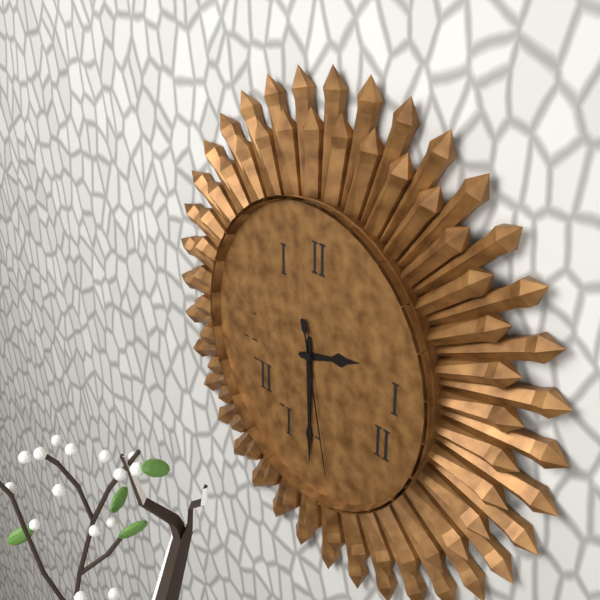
2h30m28s
